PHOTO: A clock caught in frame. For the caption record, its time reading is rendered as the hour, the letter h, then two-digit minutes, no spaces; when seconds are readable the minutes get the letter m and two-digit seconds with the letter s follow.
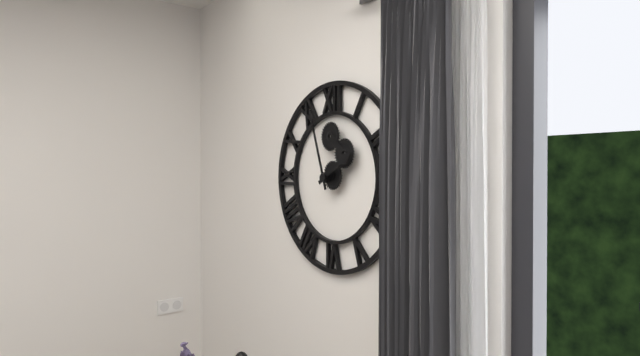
1h57
